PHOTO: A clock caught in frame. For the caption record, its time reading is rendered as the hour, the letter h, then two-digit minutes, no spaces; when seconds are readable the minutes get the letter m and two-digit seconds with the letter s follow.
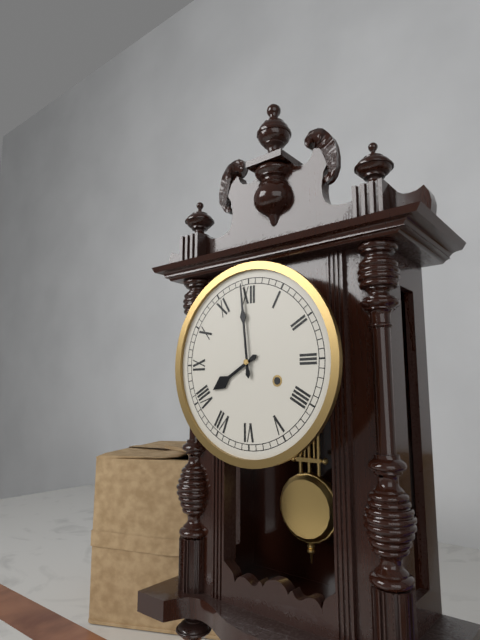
7h59
